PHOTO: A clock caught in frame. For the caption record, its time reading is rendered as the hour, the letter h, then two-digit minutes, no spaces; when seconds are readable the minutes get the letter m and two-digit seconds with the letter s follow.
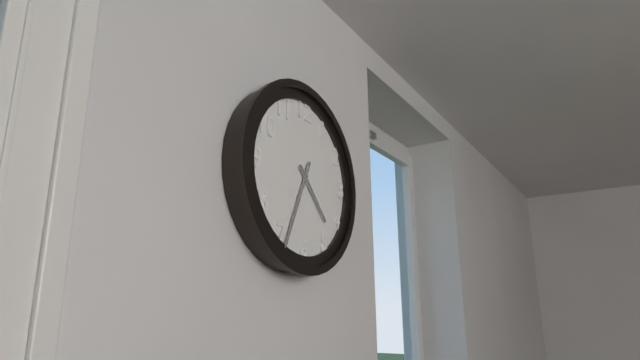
4h34
